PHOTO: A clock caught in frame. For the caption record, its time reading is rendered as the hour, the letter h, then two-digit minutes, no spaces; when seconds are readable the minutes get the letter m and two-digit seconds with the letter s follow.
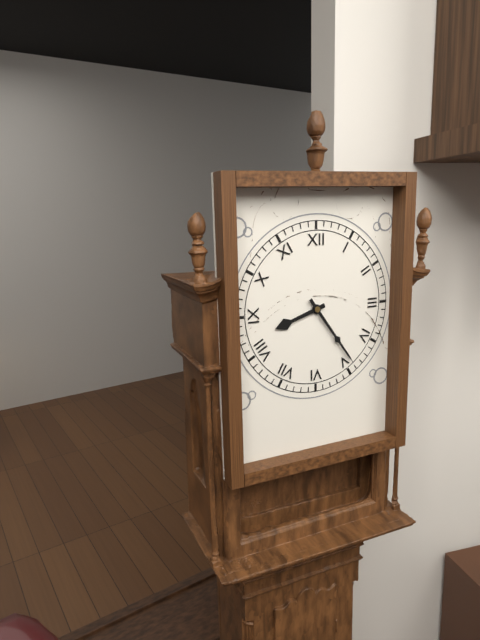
8h24
